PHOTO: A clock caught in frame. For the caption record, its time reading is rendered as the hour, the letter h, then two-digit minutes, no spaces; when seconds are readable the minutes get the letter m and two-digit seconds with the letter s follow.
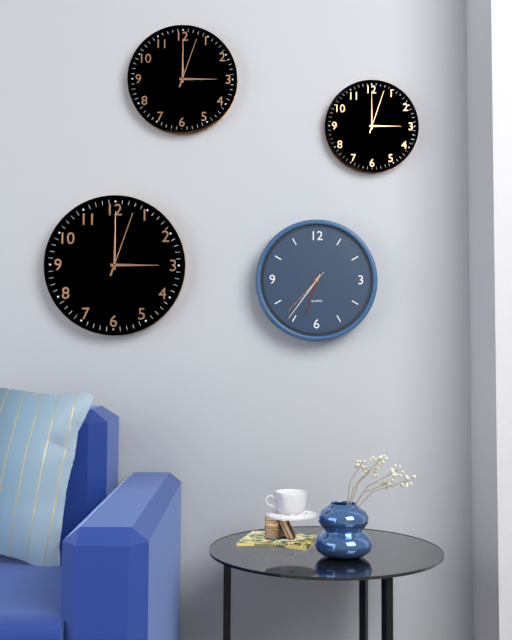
6h36m37s
